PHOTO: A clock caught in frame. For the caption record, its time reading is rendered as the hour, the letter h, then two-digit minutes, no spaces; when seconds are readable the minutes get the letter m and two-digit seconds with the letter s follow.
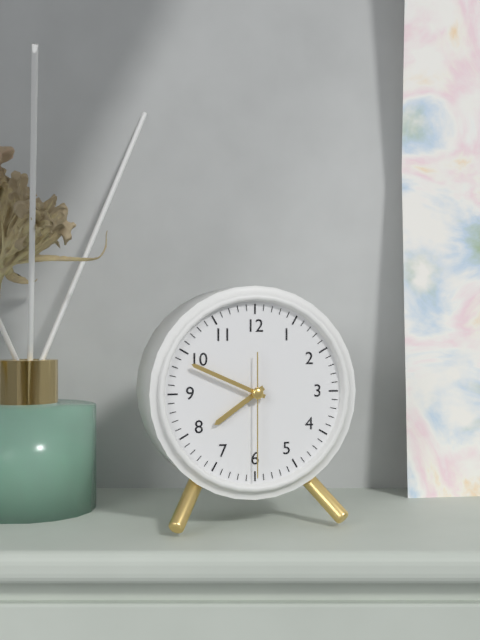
7h49m30s
